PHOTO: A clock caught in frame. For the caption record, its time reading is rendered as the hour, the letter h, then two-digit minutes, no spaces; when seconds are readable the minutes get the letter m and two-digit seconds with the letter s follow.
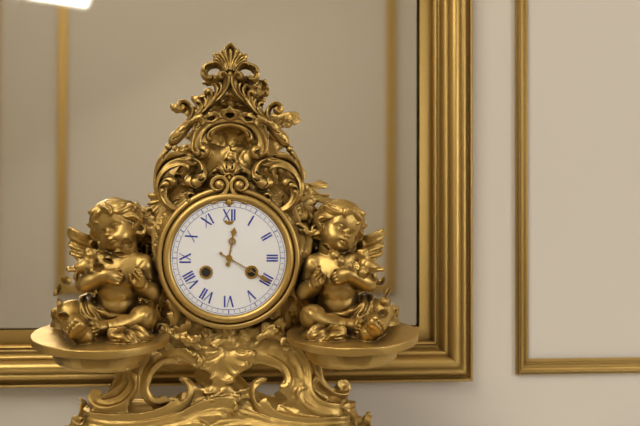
12h20
